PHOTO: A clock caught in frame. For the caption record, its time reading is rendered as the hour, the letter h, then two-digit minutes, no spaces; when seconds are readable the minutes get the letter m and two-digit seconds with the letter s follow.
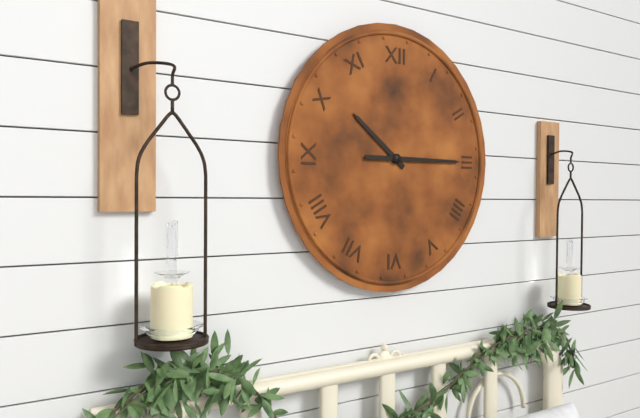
10h15
